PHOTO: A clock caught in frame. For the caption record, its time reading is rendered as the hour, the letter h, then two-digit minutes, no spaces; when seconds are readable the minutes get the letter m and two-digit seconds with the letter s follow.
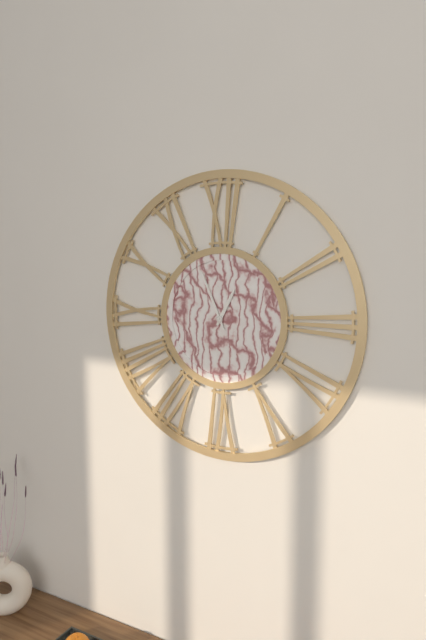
12h56
